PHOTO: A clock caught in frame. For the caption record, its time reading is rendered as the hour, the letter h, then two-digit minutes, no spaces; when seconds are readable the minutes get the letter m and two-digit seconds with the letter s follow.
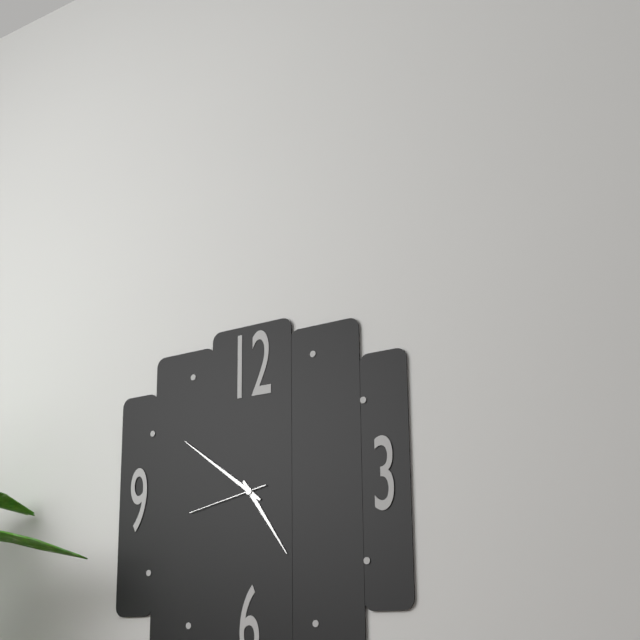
4h51m43s
